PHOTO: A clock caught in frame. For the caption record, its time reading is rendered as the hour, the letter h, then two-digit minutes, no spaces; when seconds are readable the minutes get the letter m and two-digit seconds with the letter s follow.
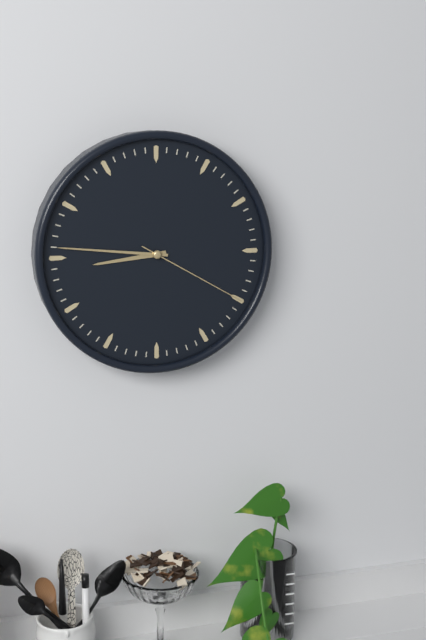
8h46m20s
